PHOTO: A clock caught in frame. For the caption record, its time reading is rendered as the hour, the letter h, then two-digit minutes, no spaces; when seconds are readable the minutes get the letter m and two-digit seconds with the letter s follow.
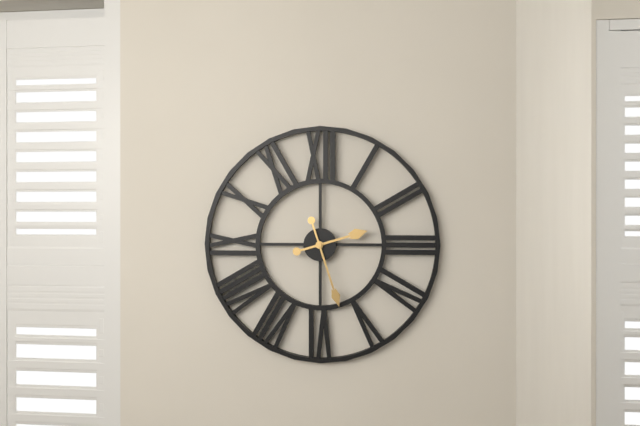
2h27
